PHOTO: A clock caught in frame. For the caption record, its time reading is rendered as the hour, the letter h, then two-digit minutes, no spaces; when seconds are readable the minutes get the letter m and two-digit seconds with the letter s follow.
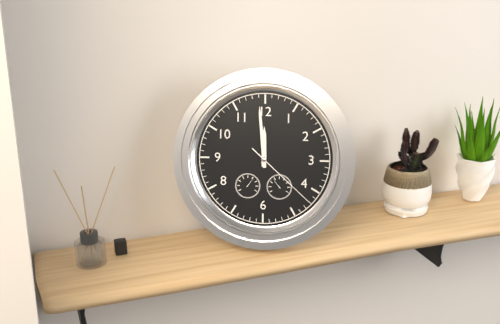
11h59m22s
